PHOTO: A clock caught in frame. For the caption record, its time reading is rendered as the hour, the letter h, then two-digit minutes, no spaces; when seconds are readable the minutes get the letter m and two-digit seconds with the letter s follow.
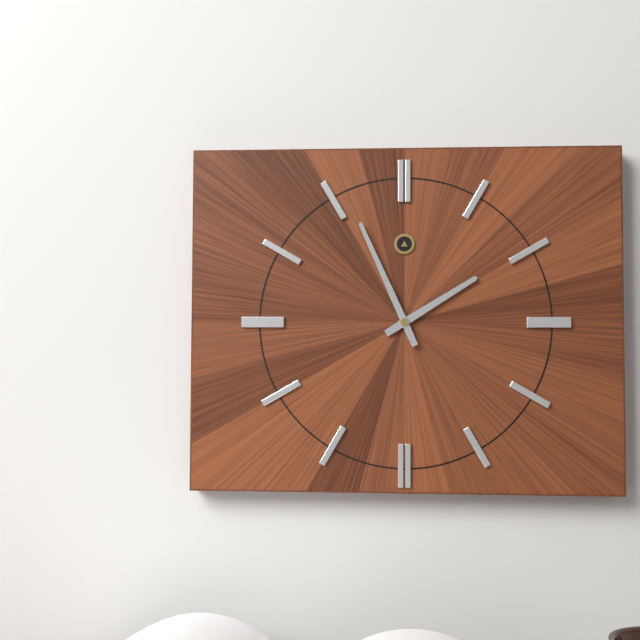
1h56
